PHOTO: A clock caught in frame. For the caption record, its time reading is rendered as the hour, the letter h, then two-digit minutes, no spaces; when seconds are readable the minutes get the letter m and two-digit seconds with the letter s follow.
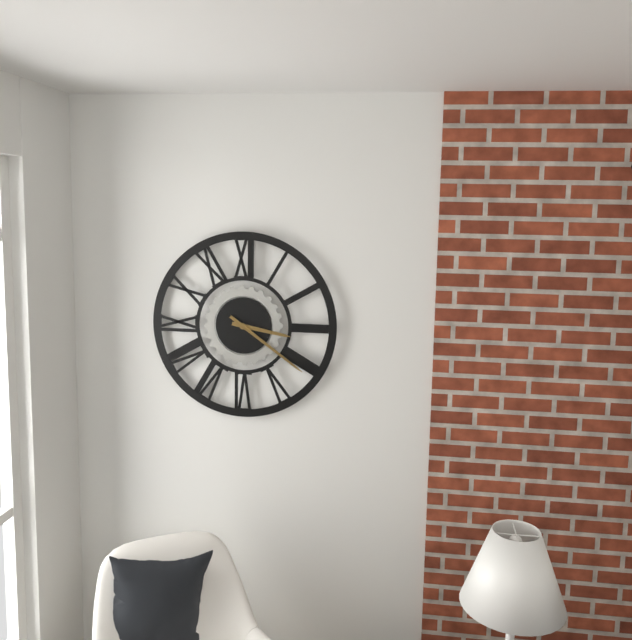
3h21
